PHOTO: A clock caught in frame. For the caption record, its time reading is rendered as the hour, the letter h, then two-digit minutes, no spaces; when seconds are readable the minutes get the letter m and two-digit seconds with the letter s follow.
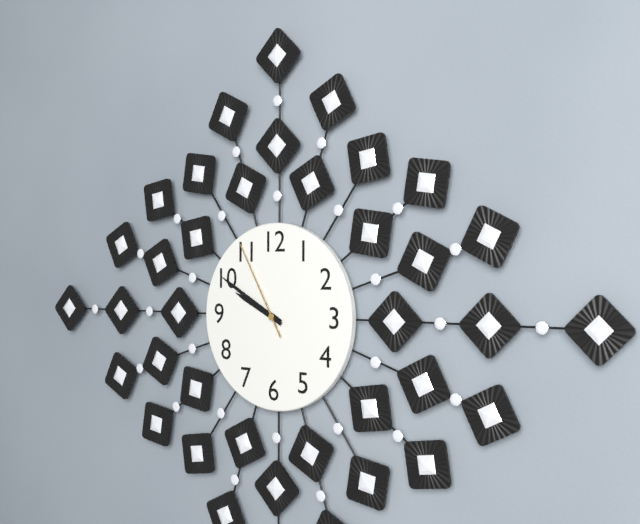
9h50m55s
